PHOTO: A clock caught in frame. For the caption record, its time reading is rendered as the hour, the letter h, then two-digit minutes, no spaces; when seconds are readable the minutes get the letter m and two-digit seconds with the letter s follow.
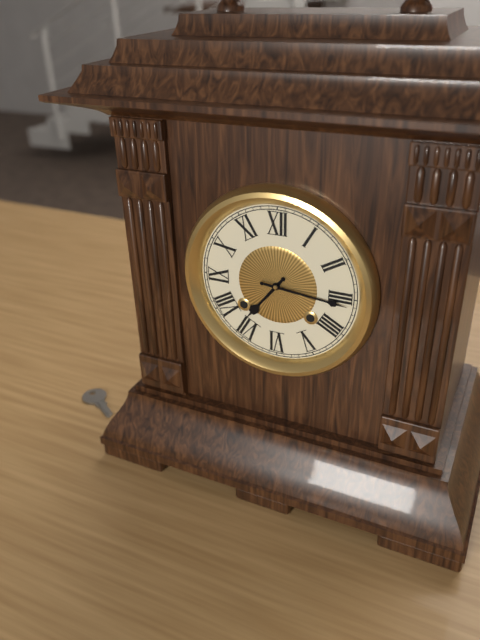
7h16
